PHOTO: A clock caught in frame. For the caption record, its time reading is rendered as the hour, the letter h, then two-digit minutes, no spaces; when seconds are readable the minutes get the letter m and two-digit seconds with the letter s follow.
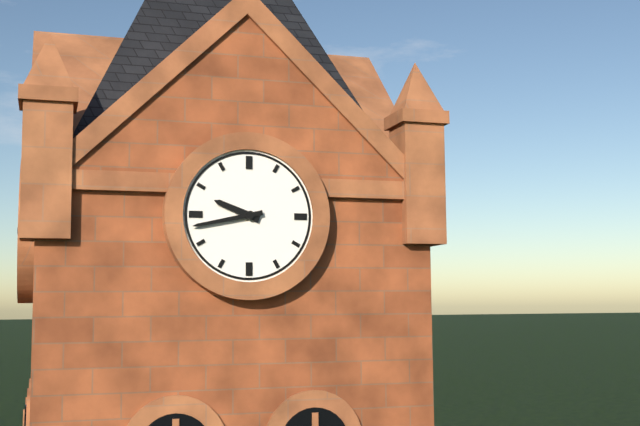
9h43
